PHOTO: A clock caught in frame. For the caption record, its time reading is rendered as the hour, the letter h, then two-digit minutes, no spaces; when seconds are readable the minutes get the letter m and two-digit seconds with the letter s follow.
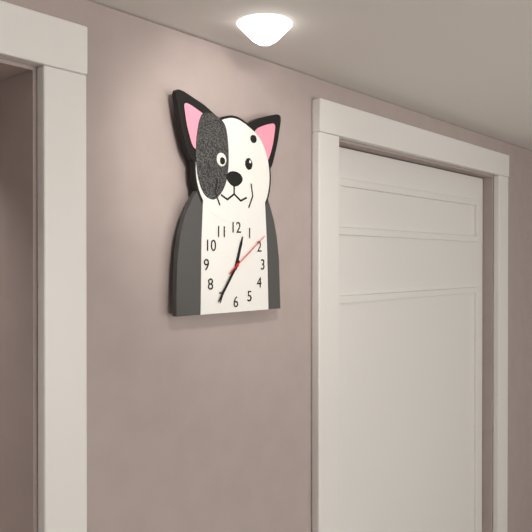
12h36m09s
